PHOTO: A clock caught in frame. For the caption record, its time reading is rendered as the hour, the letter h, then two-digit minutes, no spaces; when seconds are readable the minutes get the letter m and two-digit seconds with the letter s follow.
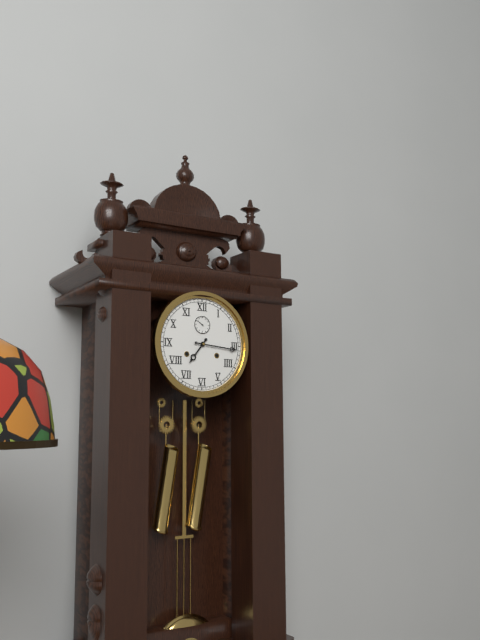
7h16
